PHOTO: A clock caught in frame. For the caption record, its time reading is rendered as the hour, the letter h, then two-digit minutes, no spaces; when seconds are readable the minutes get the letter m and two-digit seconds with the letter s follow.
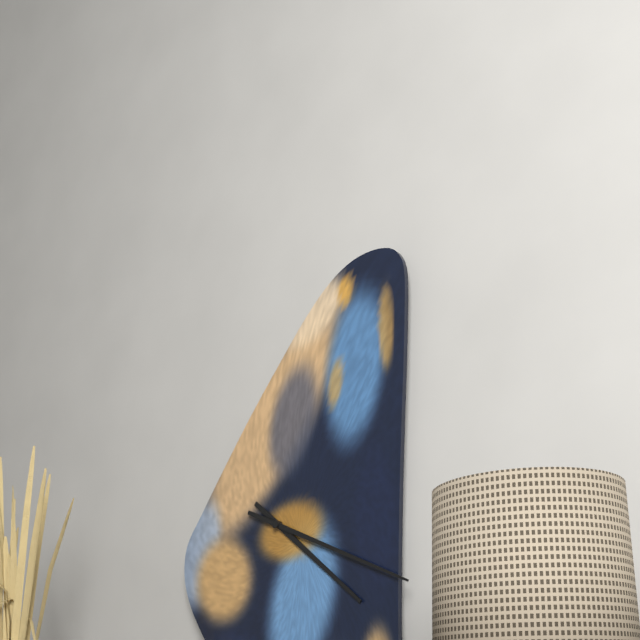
4h19
